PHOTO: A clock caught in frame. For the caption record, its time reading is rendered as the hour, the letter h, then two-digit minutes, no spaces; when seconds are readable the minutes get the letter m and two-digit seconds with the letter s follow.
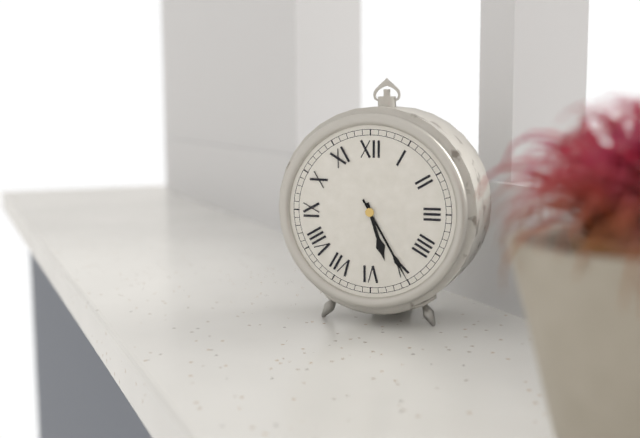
5h25
